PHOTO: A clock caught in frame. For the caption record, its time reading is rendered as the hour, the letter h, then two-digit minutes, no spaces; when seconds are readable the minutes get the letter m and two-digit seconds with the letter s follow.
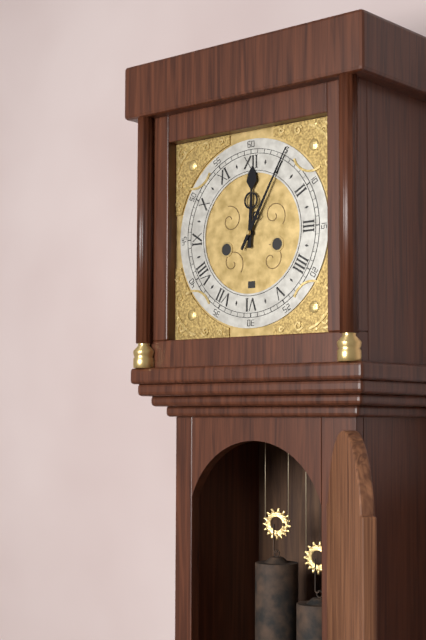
12h05
